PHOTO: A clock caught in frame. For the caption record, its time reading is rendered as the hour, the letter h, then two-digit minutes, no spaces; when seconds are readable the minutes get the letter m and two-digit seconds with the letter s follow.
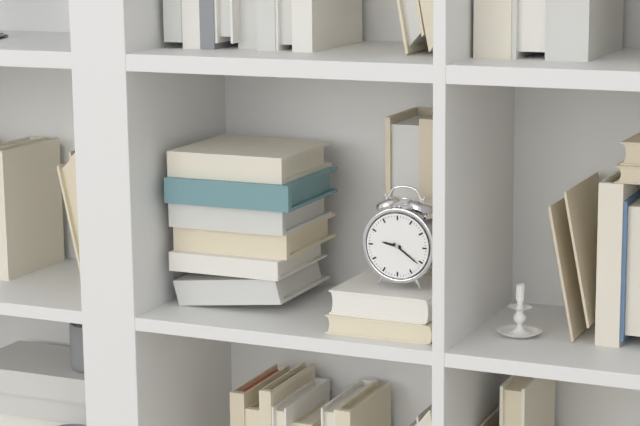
9h21
